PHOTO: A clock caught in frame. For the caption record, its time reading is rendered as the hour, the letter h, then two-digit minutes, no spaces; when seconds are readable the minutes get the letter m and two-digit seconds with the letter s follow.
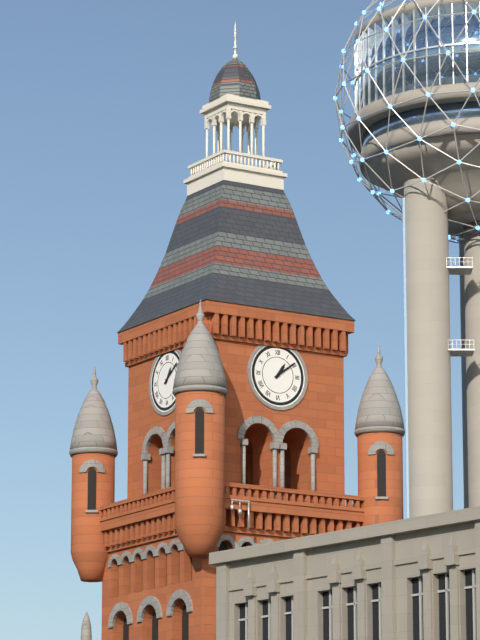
1h09
